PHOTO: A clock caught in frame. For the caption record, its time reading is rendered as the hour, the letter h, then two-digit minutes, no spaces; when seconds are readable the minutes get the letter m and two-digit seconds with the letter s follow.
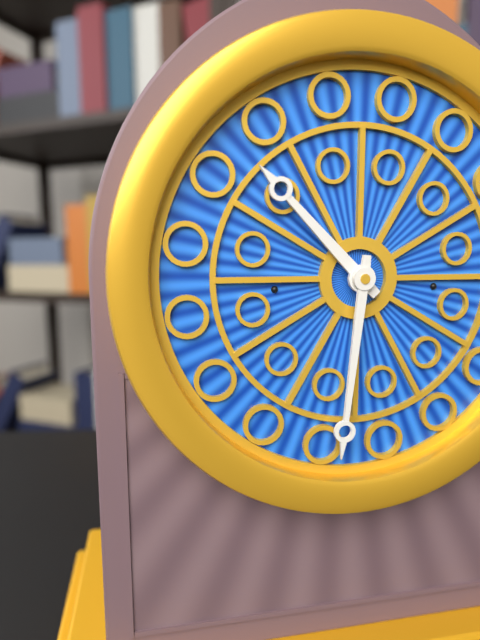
10h31
